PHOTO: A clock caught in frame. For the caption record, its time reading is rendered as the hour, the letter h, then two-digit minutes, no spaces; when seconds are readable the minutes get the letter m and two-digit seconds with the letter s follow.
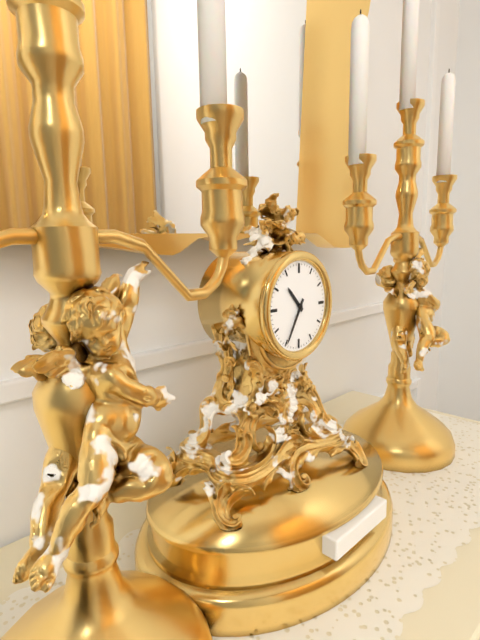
10h35
